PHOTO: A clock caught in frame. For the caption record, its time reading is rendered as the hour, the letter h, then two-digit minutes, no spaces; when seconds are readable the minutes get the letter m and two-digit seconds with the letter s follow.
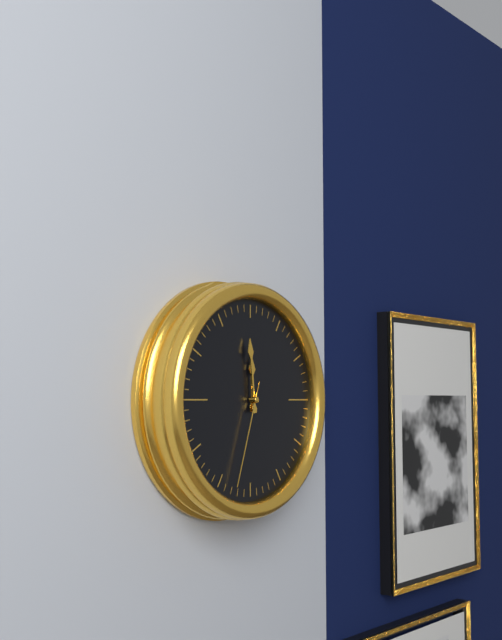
11h59m33s
